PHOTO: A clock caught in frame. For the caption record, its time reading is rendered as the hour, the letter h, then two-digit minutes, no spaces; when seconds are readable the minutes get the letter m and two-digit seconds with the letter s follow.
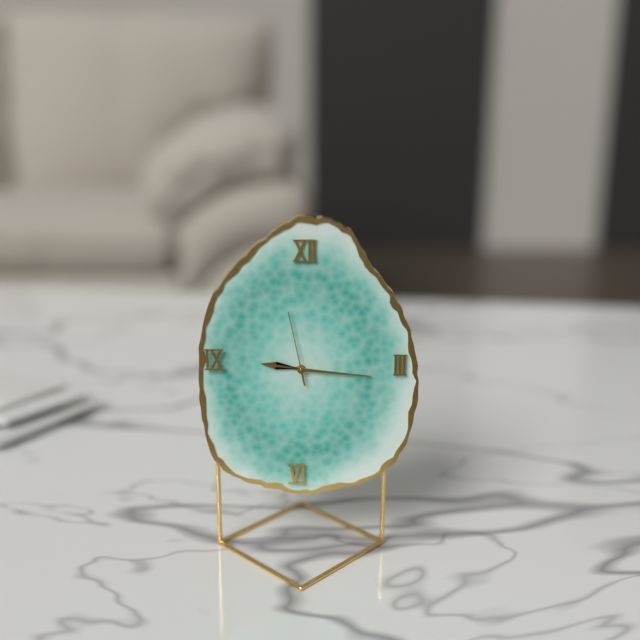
9h16m58s
